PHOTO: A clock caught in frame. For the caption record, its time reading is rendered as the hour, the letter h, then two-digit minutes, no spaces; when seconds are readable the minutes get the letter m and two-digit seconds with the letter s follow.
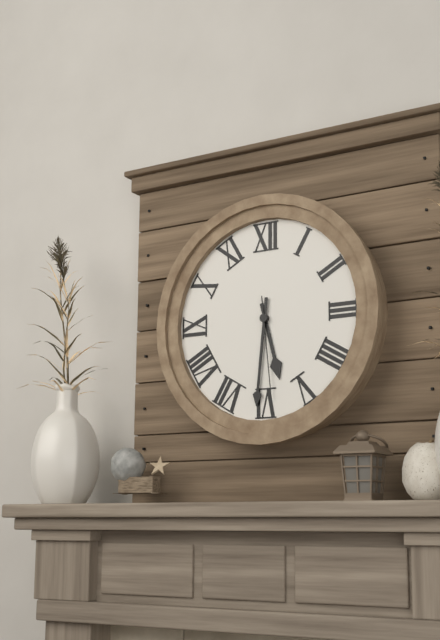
5h31m29s
